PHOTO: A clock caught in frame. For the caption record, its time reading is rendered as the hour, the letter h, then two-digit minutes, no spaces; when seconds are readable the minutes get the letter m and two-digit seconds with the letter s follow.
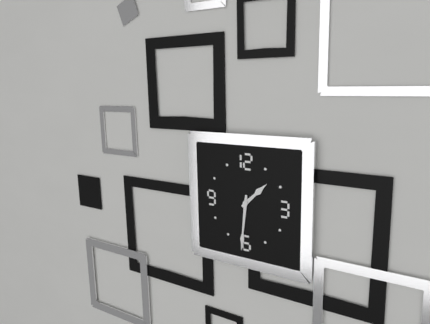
1h31
